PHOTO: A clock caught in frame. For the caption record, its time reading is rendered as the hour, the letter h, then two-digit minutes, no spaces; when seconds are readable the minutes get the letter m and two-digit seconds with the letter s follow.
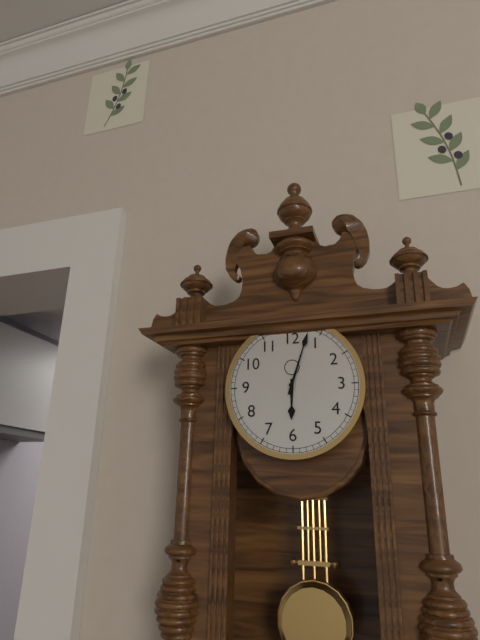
6h03
